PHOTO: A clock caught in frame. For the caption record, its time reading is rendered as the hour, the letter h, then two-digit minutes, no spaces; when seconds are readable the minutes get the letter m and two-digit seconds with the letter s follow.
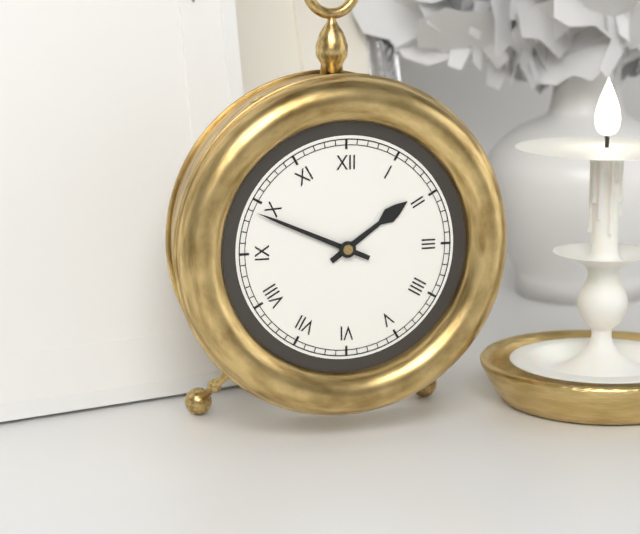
1h49
